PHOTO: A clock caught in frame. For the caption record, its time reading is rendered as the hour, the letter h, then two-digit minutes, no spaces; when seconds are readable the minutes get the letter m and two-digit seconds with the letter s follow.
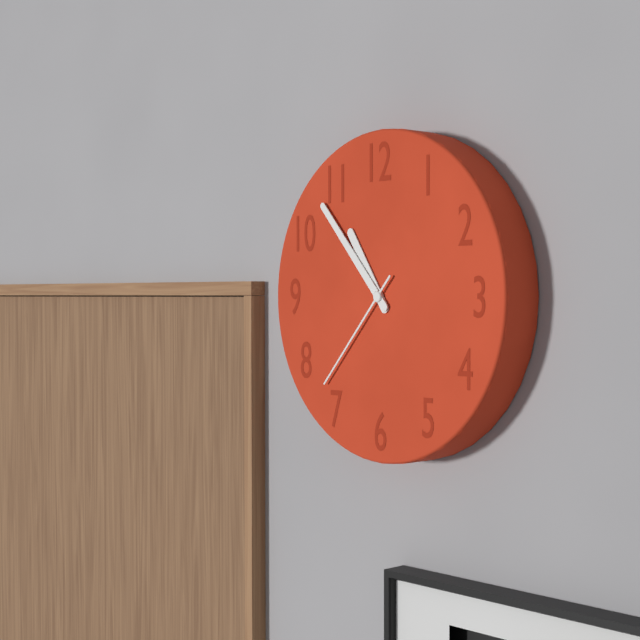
10h53m37s
